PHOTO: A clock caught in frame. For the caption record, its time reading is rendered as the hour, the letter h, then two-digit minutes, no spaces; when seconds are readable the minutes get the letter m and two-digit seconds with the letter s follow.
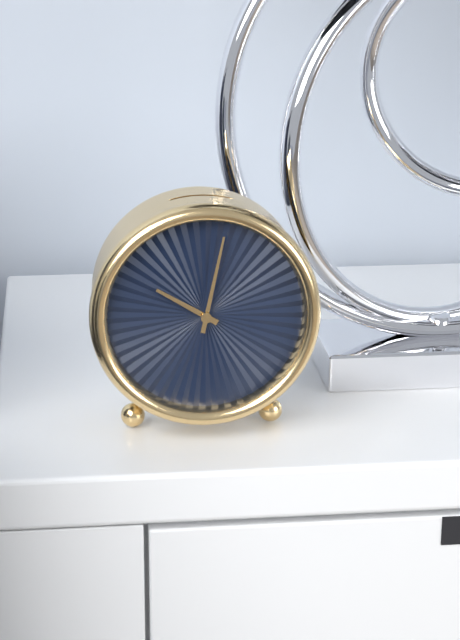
10h02
